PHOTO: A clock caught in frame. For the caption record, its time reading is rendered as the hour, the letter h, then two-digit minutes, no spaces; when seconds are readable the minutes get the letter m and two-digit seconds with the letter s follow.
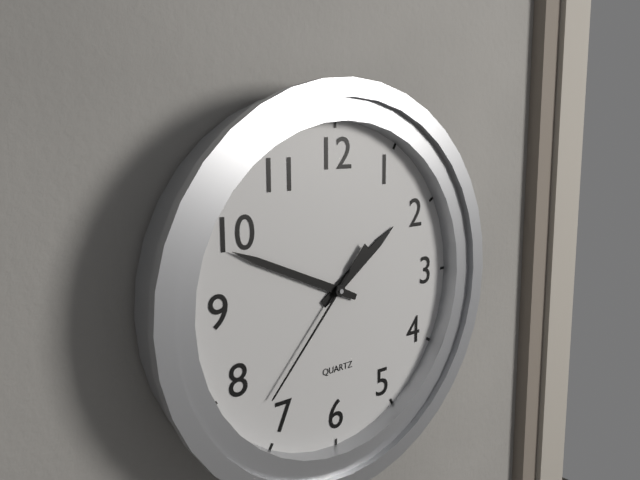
1h49m37s
